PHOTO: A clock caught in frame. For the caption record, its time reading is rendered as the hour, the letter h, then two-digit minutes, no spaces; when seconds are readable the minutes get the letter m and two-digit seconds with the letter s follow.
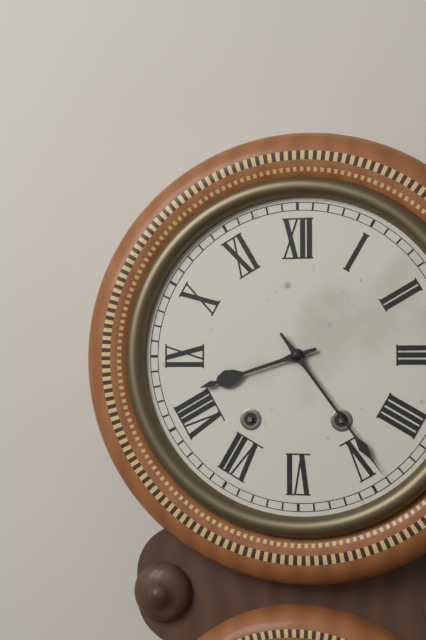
8h24
